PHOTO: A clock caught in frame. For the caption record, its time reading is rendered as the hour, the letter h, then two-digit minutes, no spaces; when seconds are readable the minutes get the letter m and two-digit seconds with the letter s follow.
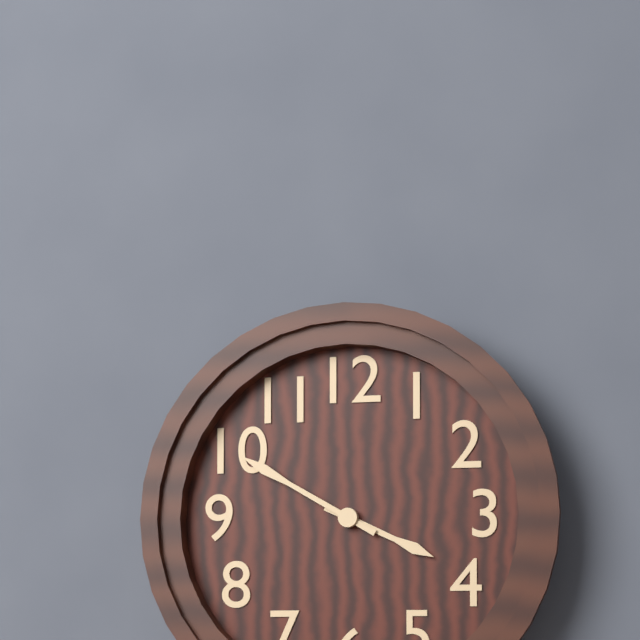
3h50
